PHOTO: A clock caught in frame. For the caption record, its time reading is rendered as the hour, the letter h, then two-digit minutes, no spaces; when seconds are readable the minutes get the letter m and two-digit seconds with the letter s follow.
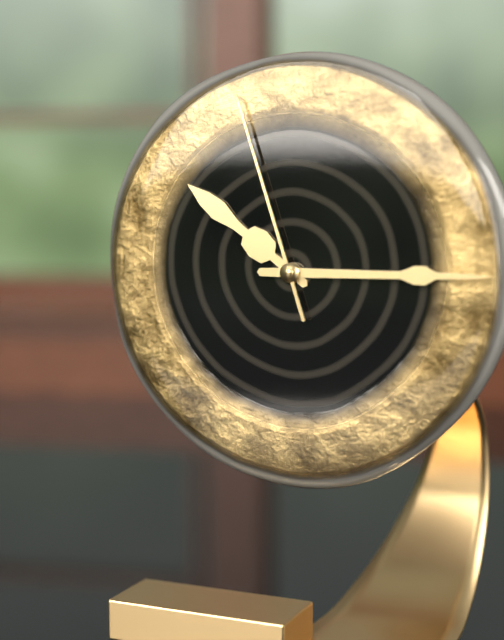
10h15m57s
